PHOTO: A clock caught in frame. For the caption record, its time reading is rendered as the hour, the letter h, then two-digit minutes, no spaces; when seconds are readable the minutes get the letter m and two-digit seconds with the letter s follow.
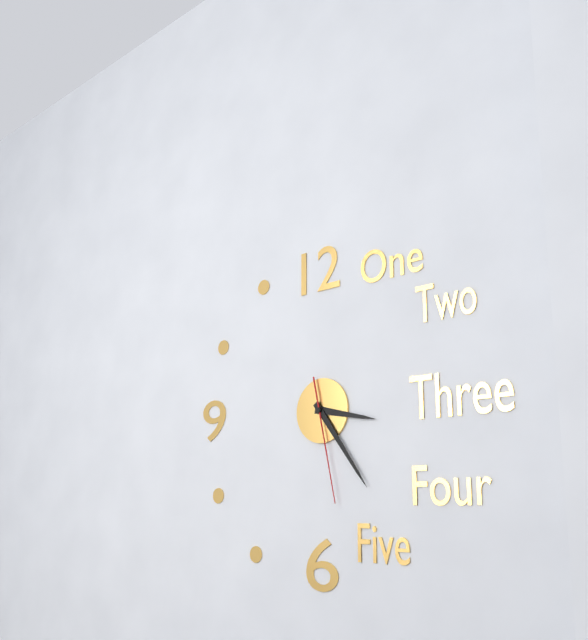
3h24m28s
